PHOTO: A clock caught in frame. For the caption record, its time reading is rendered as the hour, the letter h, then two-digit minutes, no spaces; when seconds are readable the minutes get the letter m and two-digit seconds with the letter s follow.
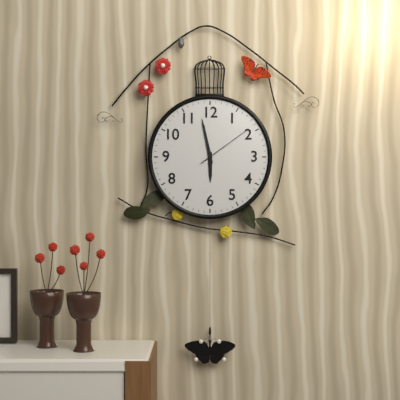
5h58m09s
